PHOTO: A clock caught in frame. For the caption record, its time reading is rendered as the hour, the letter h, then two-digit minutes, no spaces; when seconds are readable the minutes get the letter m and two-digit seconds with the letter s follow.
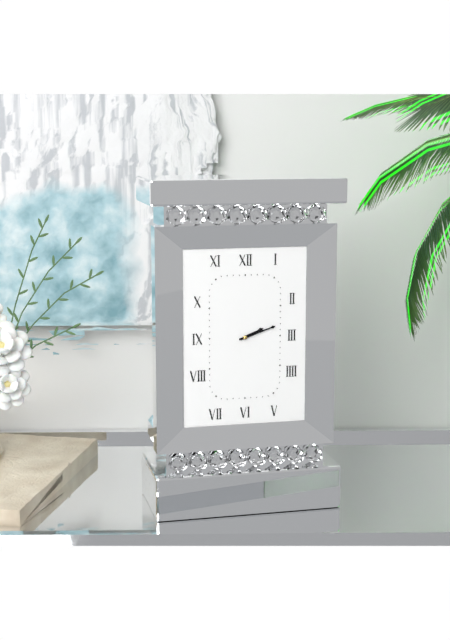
2h12
